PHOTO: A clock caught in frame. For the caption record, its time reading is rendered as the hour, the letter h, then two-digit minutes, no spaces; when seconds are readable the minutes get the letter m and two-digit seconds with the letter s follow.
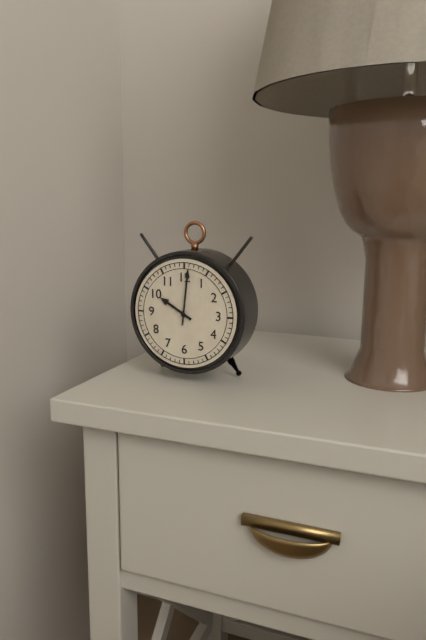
10h01
